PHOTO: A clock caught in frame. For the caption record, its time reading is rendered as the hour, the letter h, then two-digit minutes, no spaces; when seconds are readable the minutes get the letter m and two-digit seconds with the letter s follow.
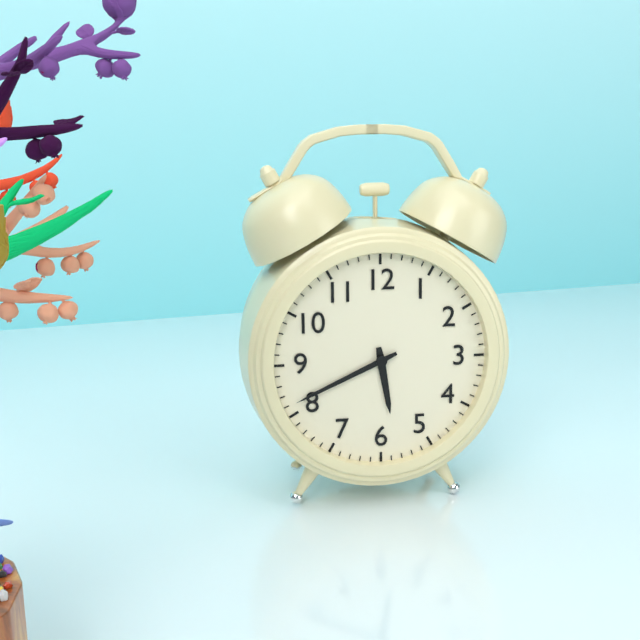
5h41
